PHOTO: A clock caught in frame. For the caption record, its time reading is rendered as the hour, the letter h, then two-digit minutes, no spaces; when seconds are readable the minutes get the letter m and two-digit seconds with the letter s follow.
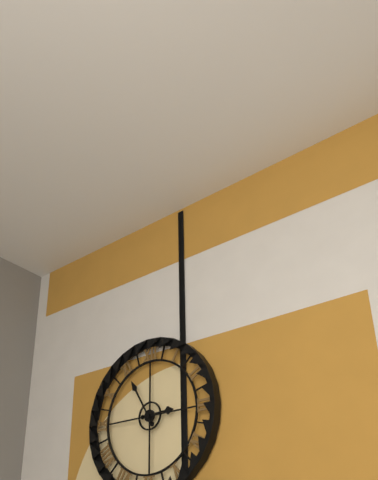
2h55
